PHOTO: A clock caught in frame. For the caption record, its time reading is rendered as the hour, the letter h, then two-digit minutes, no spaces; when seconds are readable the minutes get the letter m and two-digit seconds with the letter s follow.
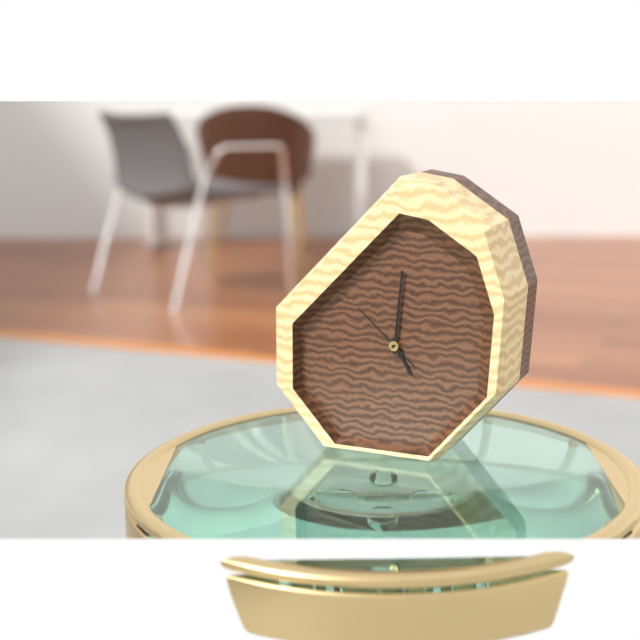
5h01m52s
